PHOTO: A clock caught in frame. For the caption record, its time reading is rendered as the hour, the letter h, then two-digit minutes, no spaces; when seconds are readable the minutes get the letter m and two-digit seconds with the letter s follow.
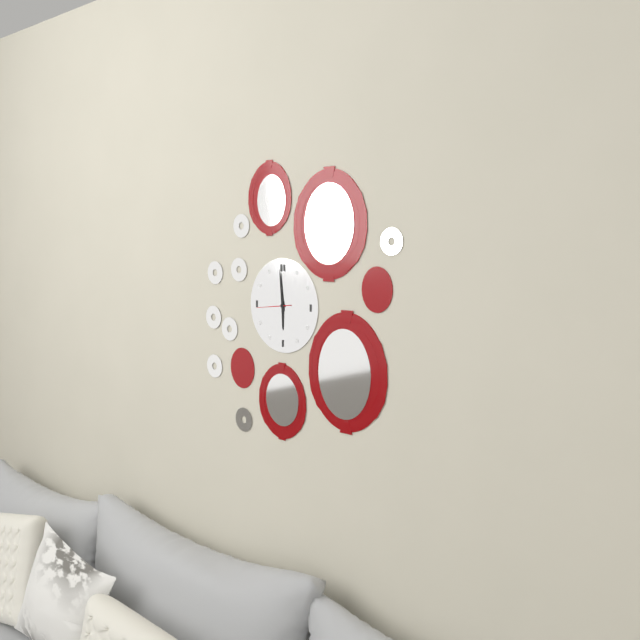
5h59
